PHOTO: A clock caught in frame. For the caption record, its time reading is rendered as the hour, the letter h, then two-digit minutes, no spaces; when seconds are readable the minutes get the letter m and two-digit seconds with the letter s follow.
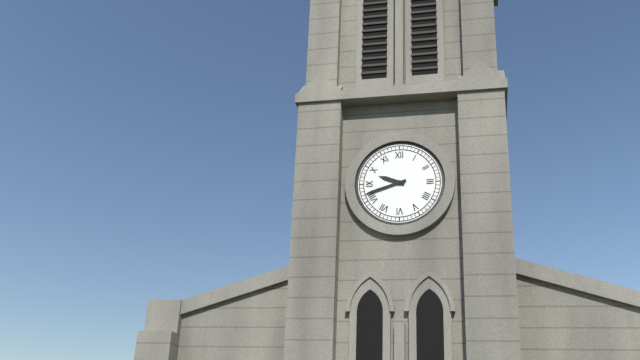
9h42
